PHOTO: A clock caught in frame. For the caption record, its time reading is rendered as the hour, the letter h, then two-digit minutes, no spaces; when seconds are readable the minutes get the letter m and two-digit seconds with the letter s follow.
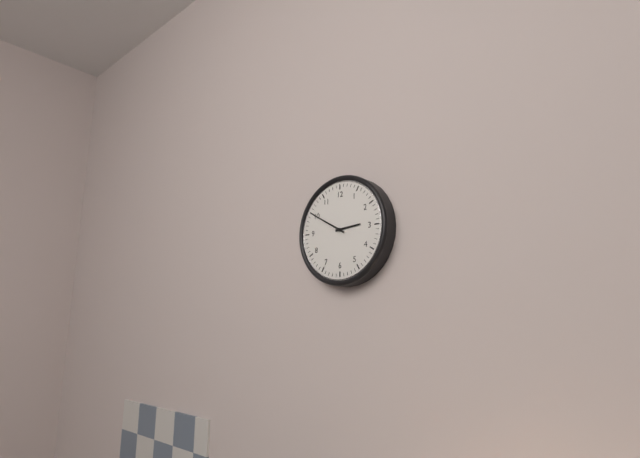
2h50
